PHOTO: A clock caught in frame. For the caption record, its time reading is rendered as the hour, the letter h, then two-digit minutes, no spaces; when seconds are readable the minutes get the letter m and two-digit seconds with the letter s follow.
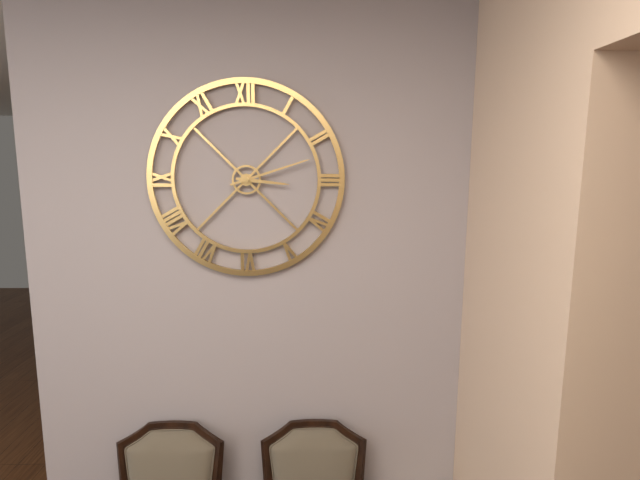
3h12
